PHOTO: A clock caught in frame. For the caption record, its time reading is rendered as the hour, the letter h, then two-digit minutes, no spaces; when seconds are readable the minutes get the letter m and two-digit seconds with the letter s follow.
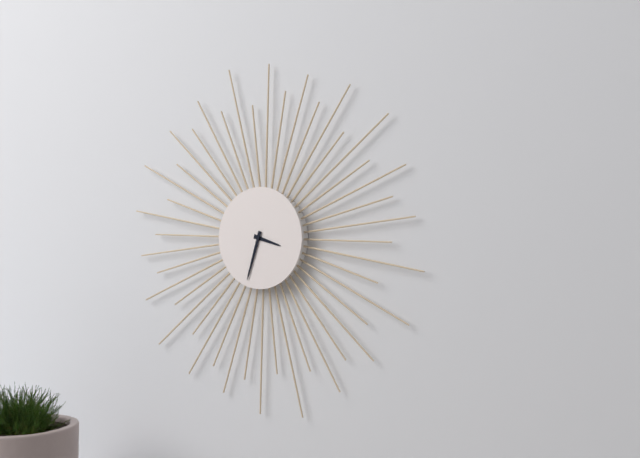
3h33
